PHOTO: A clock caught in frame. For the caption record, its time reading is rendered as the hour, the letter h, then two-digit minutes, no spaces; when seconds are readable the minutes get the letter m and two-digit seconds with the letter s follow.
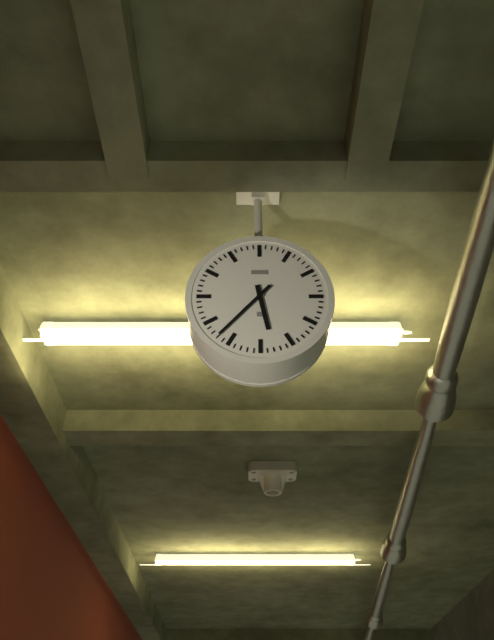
5h37
